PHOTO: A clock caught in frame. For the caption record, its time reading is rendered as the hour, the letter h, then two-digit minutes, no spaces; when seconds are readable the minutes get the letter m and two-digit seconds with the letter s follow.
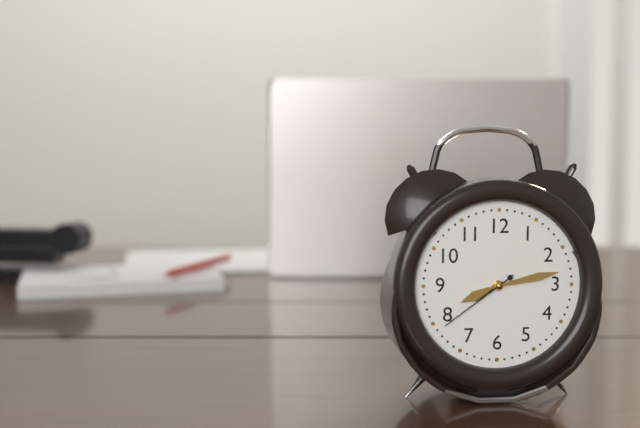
8h13m39s
